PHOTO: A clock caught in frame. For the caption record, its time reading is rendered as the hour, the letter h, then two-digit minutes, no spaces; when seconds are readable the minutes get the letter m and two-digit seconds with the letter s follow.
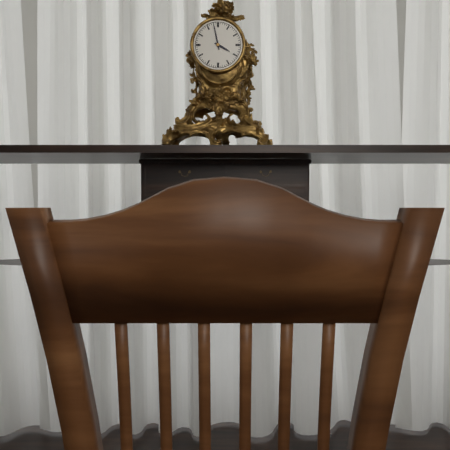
3h58
